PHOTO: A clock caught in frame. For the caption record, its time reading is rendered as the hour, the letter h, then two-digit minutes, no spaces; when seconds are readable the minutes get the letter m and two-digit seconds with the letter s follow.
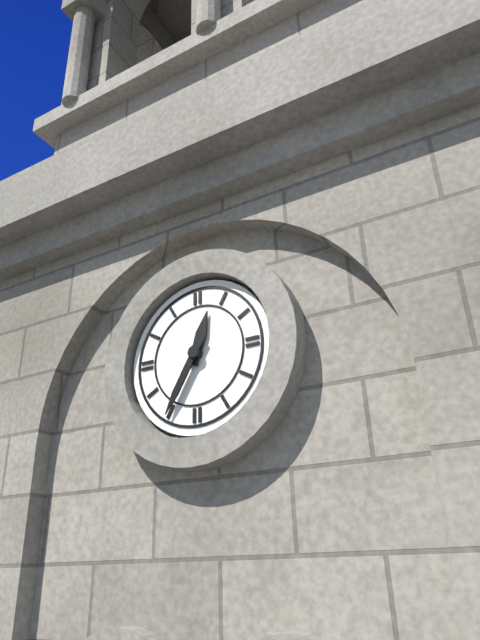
12h35
